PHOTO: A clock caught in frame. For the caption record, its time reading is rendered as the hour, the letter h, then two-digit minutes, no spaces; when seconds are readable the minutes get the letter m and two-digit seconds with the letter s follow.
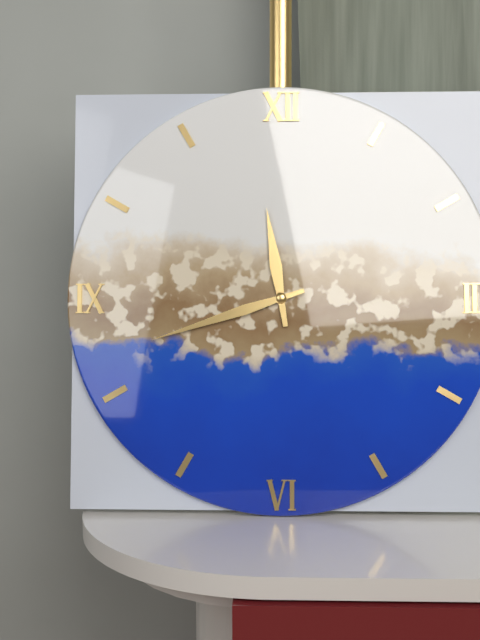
11h42
